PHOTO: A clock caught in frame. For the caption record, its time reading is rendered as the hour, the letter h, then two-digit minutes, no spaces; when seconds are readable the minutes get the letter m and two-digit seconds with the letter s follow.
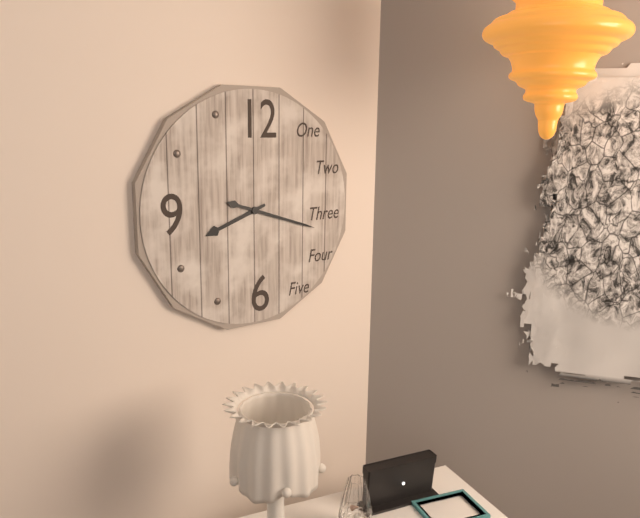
8h18
